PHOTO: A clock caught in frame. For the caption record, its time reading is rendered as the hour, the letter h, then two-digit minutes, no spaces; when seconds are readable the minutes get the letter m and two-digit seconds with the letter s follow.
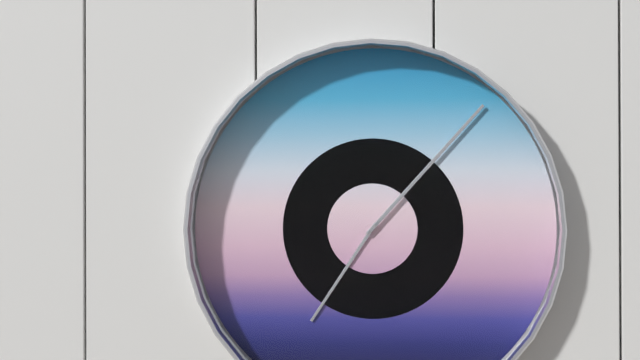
7h07
